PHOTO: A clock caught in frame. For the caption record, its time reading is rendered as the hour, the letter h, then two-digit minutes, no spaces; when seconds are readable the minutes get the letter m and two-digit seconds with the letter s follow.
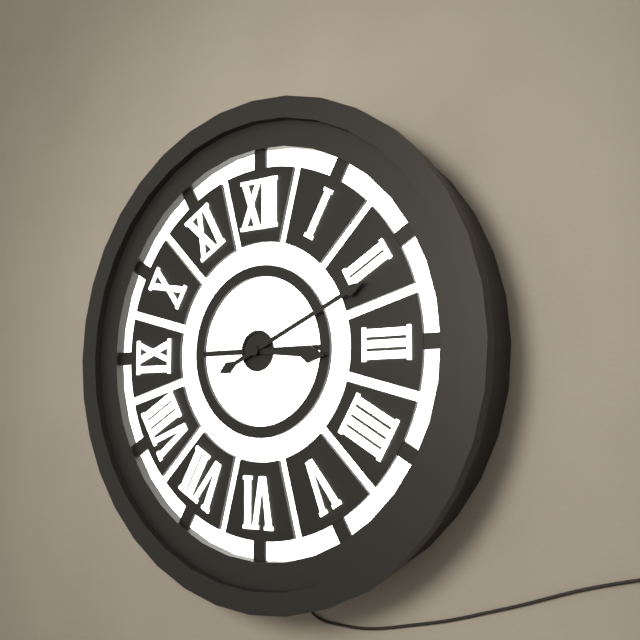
3h11
